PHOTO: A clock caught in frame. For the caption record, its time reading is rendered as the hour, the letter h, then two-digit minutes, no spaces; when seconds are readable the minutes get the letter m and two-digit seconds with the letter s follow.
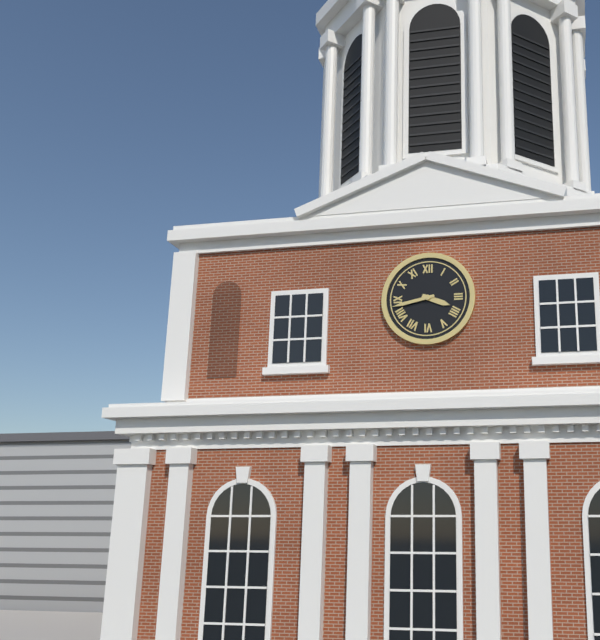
3h43
